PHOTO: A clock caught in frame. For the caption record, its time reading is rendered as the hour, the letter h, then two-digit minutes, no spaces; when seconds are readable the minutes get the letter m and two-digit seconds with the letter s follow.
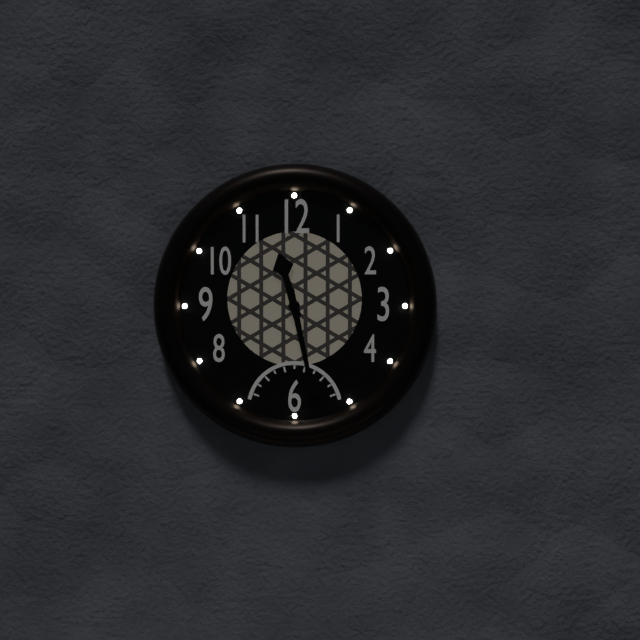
11h28
